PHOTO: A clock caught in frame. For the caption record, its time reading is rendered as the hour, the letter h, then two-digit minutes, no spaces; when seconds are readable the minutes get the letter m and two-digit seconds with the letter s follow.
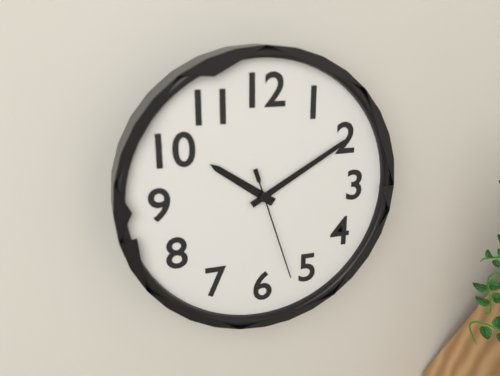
10h10m27s
